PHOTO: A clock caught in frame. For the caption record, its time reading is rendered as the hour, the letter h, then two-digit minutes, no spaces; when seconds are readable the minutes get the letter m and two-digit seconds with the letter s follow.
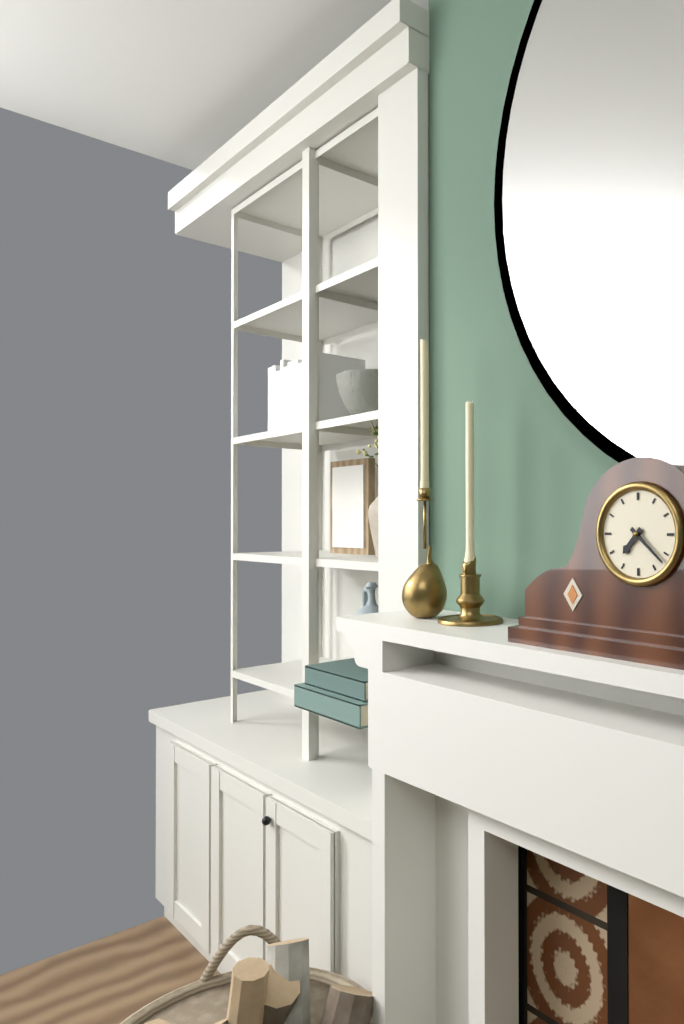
7h22
